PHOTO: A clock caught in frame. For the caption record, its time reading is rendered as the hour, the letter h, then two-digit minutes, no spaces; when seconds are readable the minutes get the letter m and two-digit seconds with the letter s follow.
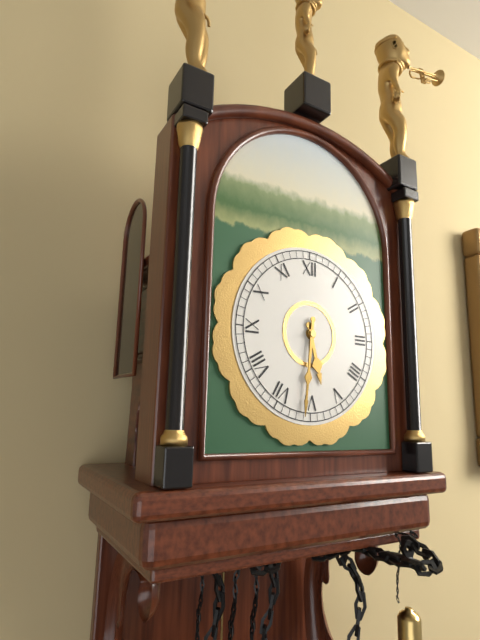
5h31
